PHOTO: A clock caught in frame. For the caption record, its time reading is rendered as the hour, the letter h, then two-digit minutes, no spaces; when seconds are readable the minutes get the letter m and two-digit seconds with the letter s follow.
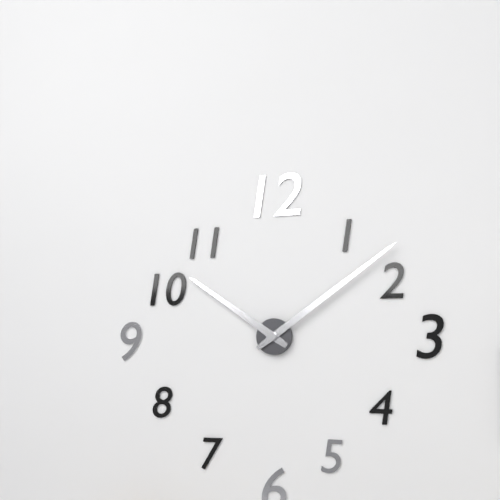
10h09
